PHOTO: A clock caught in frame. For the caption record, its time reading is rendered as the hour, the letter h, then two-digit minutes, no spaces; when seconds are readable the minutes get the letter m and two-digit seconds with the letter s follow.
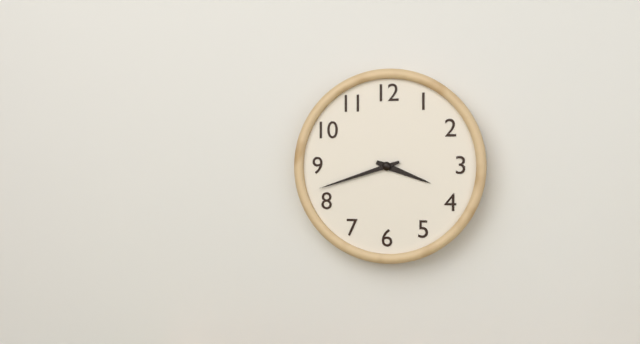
3h42
